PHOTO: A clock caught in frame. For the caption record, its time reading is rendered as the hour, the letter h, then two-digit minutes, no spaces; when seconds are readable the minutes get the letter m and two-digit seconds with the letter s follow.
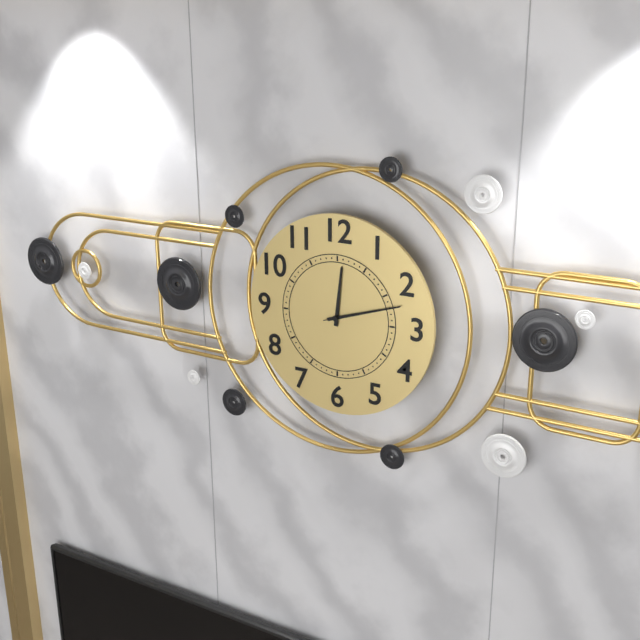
12h12m12s
